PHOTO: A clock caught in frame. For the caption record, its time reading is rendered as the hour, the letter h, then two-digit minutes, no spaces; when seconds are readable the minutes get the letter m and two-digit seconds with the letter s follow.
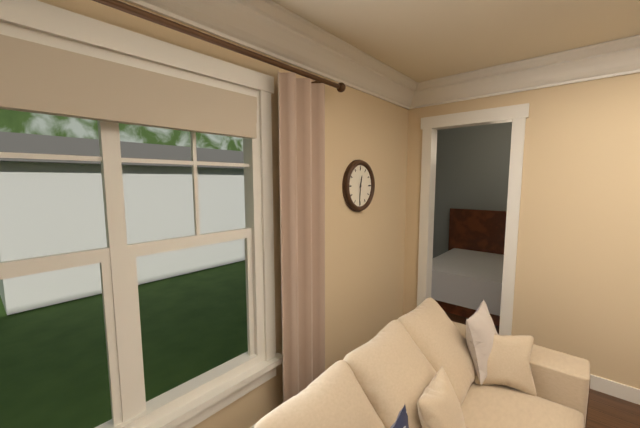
12h31
